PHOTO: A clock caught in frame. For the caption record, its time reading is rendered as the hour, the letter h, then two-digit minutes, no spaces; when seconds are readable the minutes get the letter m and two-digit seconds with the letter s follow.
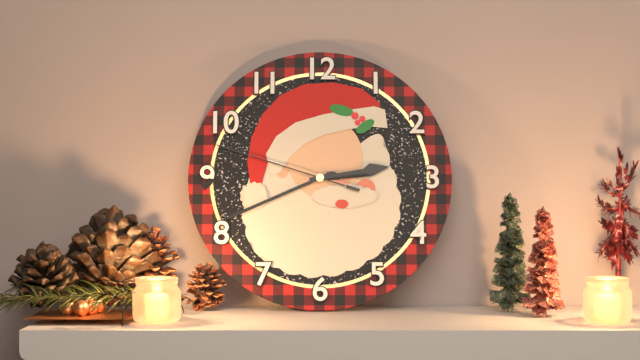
2h41m48s
